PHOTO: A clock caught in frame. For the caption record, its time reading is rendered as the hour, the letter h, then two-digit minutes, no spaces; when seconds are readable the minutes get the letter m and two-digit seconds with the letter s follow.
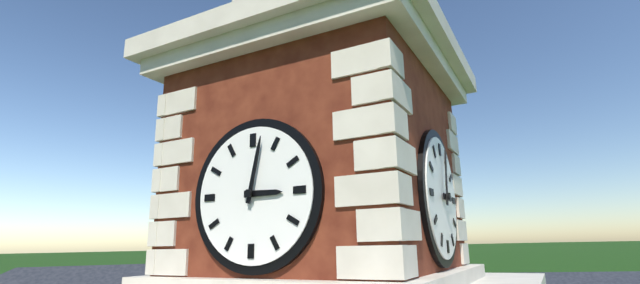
3h02
